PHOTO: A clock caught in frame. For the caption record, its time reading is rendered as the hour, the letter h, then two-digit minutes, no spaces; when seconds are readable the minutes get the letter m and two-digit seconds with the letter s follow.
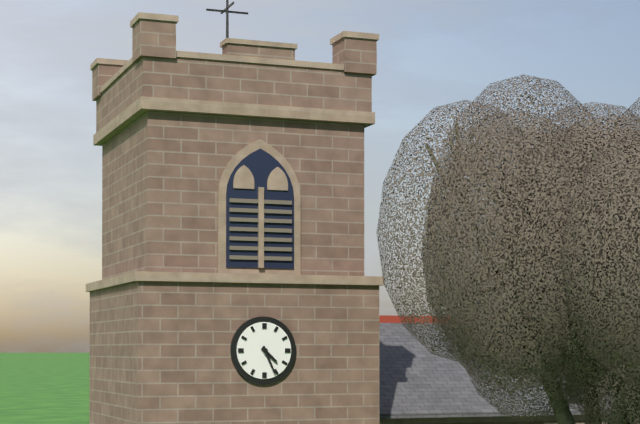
4h26
